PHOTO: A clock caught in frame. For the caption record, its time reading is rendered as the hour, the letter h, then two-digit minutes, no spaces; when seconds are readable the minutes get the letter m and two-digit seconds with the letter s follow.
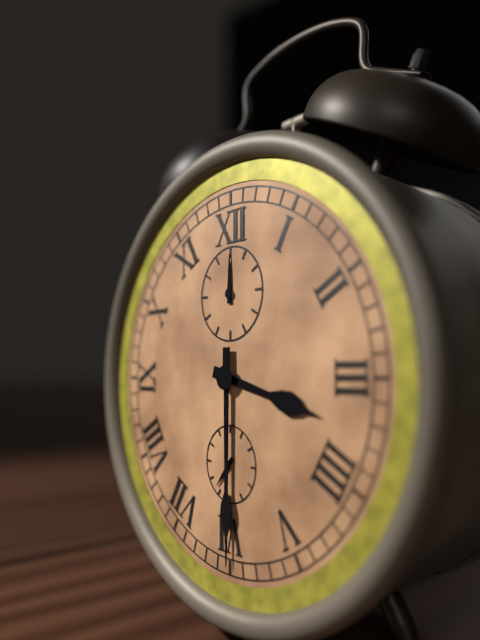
3h30
